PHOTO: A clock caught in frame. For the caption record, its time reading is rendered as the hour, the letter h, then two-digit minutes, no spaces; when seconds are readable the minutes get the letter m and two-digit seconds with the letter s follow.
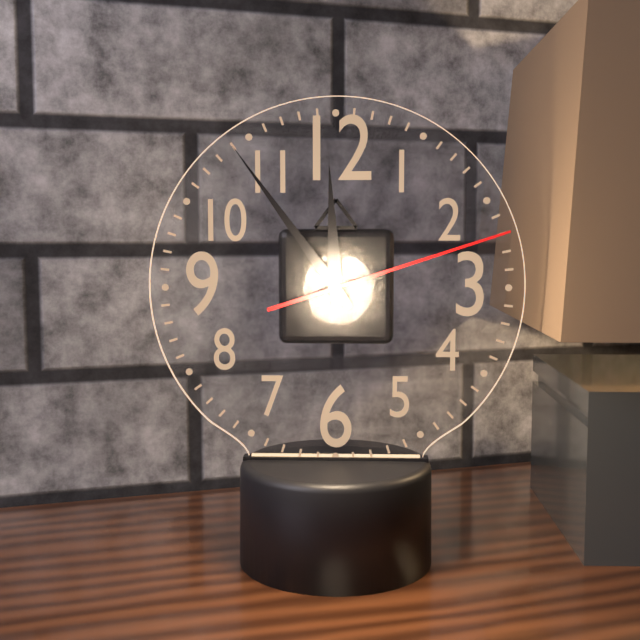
11h54m12s
